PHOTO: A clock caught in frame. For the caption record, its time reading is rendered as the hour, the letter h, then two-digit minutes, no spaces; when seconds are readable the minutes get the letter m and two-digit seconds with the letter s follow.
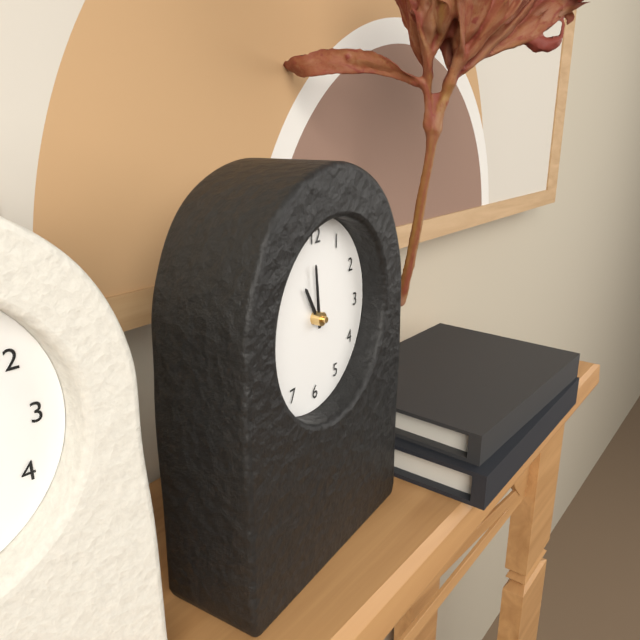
10h59
